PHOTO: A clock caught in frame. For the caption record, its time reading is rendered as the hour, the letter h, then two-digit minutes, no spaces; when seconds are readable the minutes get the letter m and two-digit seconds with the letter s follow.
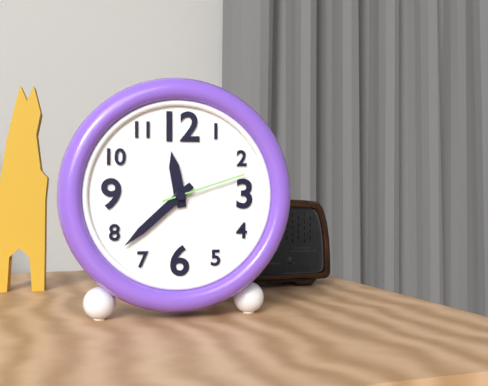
11h38m12s
